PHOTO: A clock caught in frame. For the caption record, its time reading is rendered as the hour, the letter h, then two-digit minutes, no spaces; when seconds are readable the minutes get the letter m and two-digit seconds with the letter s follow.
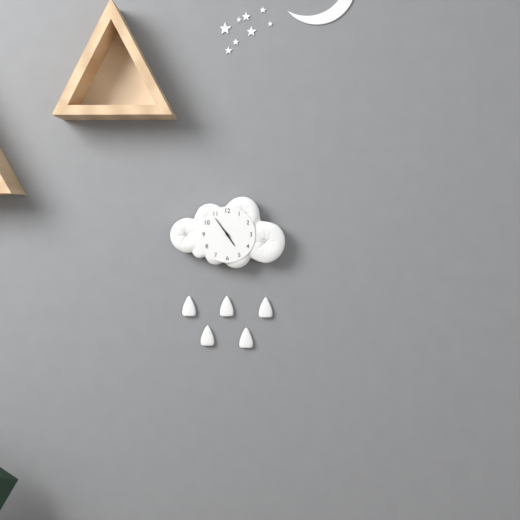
4h54
